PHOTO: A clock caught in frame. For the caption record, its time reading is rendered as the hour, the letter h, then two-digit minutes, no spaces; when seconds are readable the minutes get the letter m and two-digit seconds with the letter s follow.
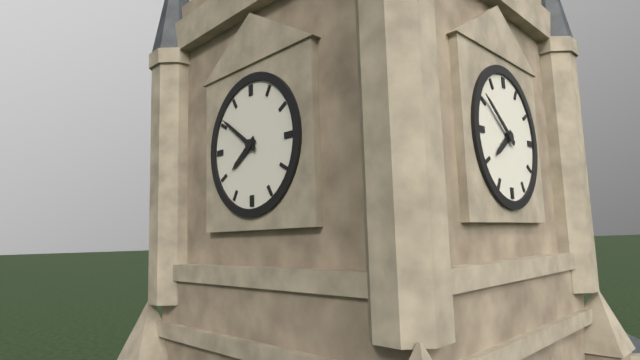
7h51
